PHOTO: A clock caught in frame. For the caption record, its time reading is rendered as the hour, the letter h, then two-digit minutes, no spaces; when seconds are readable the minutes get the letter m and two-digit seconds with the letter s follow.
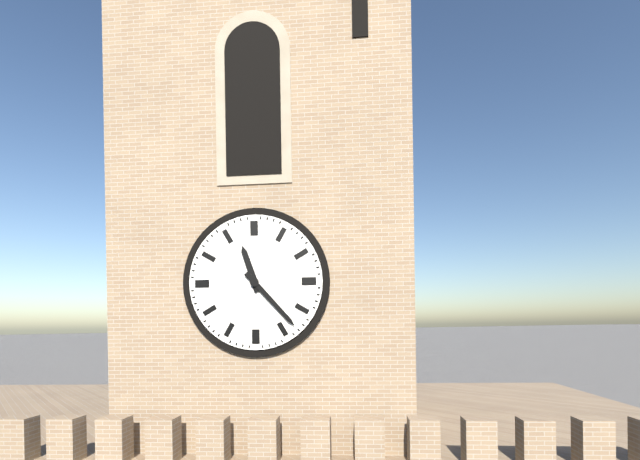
11h23
